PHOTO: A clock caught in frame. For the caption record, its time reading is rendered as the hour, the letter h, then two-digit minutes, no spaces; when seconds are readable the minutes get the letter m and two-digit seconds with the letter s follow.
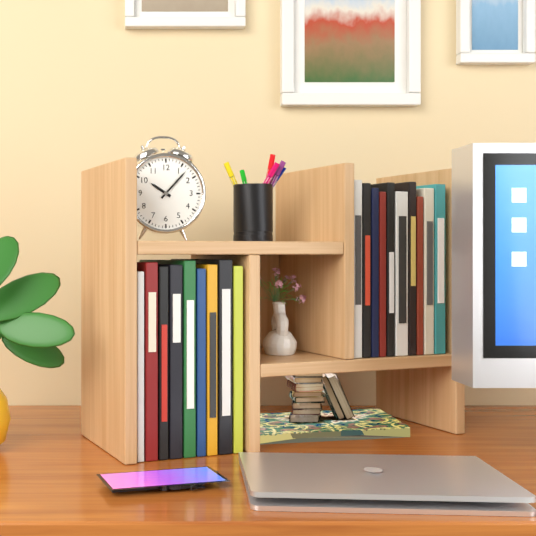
10h07
